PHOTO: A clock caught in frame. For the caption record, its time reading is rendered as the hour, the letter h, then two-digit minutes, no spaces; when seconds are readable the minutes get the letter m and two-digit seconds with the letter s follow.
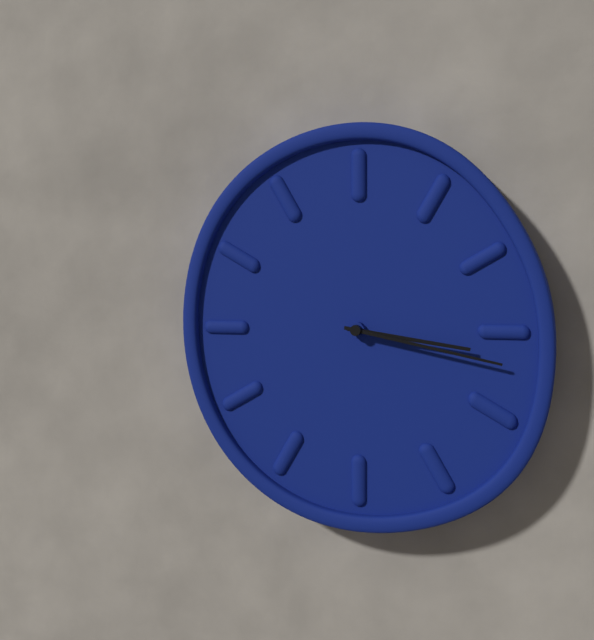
3h17
